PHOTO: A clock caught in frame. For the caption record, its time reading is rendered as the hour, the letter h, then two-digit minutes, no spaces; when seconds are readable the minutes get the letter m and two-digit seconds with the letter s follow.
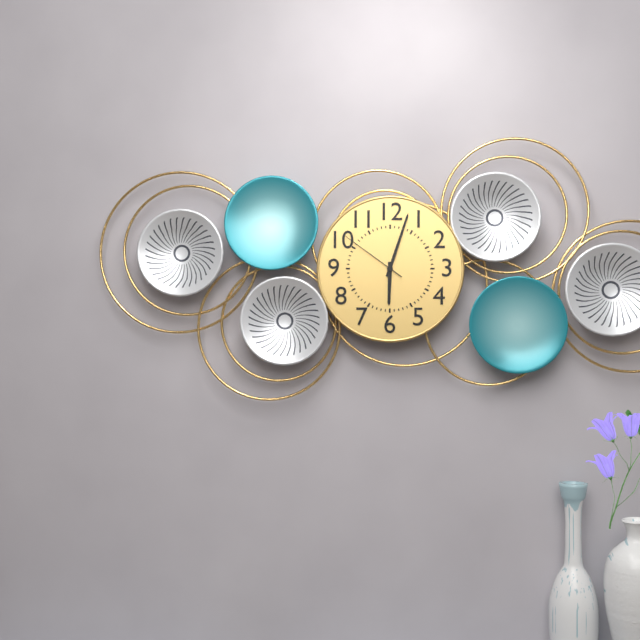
6h03m51s
